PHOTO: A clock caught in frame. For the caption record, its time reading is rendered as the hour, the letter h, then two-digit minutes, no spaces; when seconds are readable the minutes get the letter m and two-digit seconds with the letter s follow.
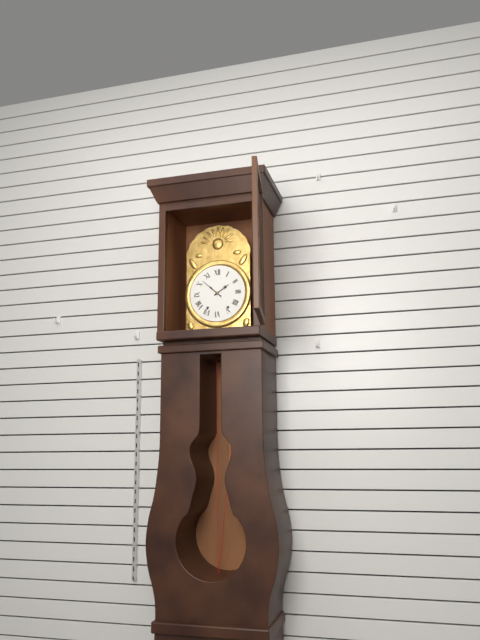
1h52
